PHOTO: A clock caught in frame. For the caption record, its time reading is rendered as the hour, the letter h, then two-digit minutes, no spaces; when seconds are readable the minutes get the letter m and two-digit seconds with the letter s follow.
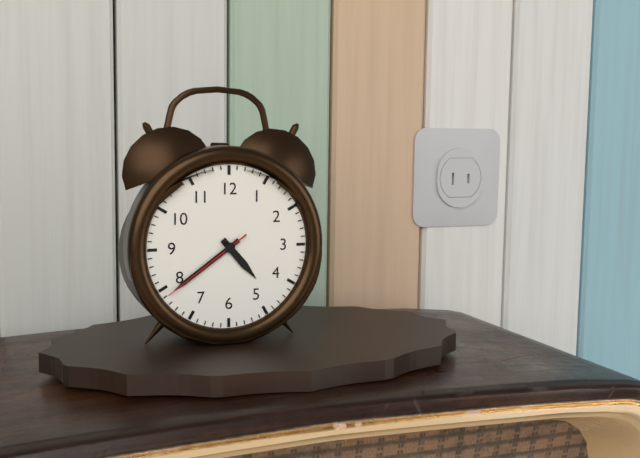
4h39m39s
